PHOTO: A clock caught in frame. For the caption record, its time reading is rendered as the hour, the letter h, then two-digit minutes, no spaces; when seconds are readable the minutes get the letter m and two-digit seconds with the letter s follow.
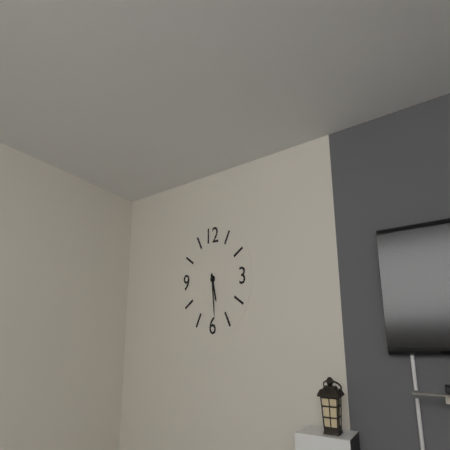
5h29
